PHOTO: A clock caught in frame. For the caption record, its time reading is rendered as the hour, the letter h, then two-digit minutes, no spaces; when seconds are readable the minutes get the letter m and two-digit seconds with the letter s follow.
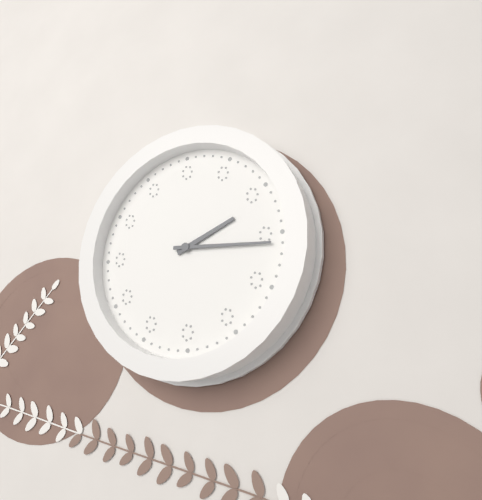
2h16
